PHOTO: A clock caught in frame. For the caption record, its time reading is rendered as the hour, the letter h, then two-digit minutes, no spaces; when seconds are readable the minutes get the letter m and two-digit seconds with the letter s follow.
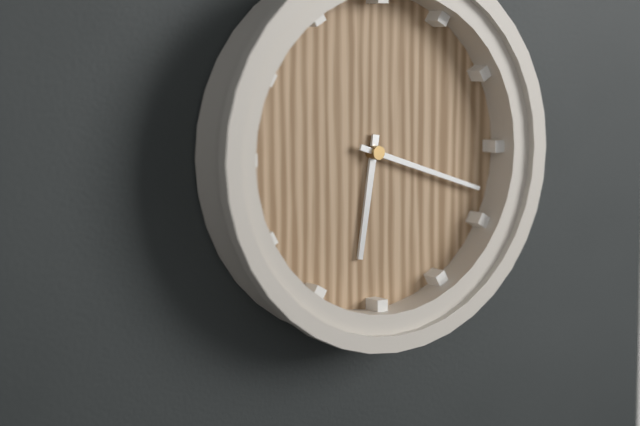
6h18
